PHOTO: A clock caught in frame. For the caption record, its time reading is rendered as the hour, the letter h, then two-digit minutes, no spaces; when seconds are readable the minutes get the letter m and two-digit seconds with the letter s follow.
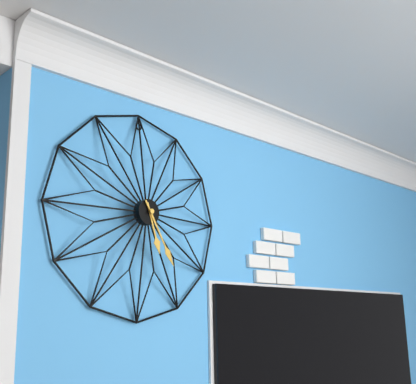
5h25
